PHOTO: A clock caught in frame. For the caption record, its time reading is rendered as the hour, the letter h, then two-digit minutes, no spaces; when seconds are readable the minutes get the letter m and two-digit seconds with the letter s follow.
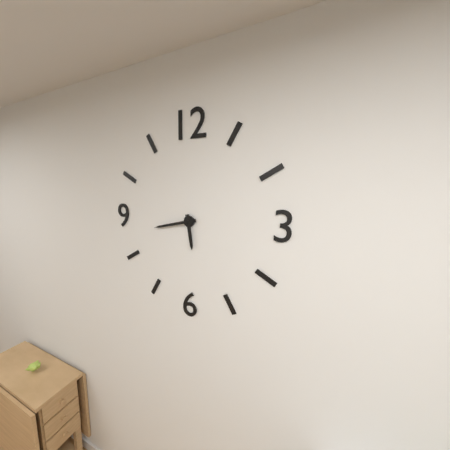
5h43
